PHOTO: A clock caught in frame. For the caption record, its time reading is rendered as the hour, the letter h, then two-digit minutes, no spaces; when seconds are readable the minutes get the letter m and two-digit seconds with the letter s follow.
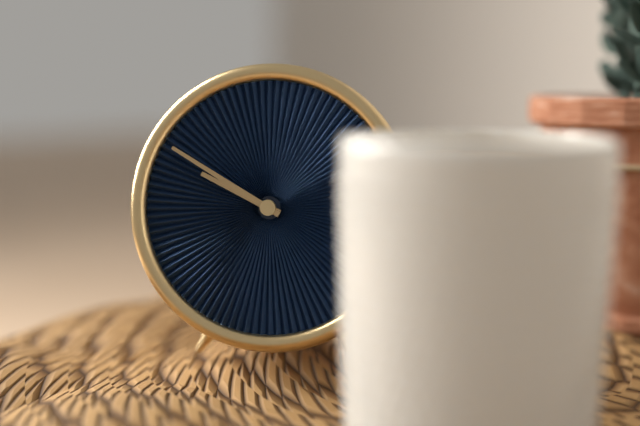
9h50
